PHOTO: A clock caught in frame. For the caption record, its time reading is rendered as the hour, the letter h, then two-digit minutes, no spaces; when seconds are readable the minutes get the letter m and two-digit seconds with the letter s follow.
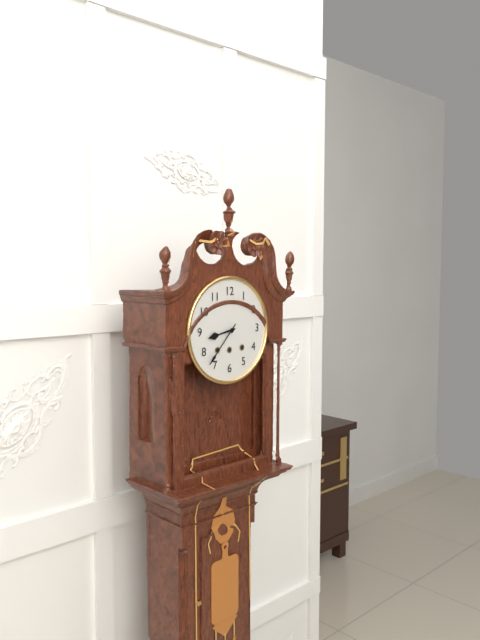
8h37
